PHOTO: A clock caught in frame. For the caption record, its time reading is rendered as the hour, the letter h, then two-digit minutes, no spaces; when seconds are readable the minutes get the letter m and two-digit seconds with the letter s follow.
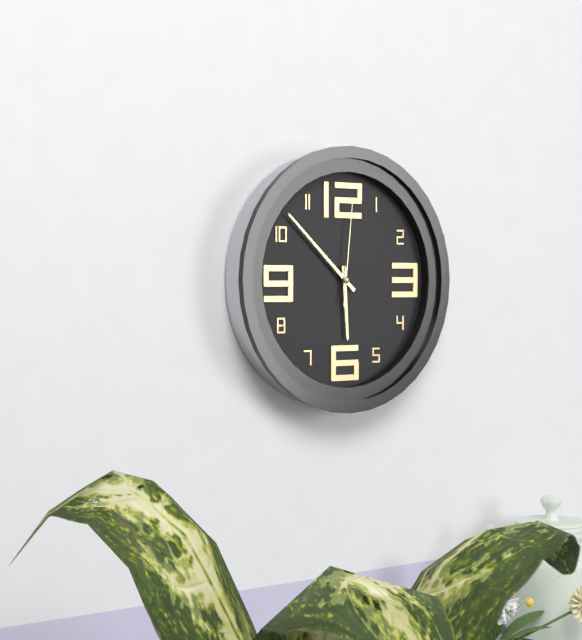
5h52m01s
